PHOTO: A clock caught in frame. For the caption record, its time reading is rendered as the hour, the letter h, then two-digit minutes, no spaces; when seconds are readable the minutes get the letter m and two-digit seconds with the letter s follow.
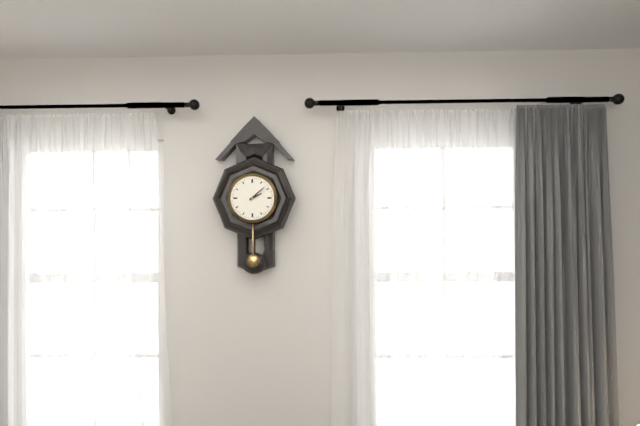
2h08
